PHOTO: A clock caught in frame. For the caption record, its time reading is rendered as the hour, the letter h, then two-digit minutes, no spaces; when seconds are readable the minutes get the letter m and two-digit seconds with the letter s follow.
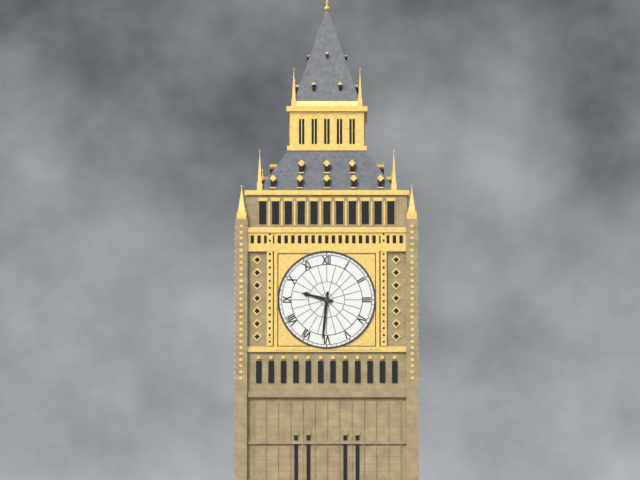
9h31
